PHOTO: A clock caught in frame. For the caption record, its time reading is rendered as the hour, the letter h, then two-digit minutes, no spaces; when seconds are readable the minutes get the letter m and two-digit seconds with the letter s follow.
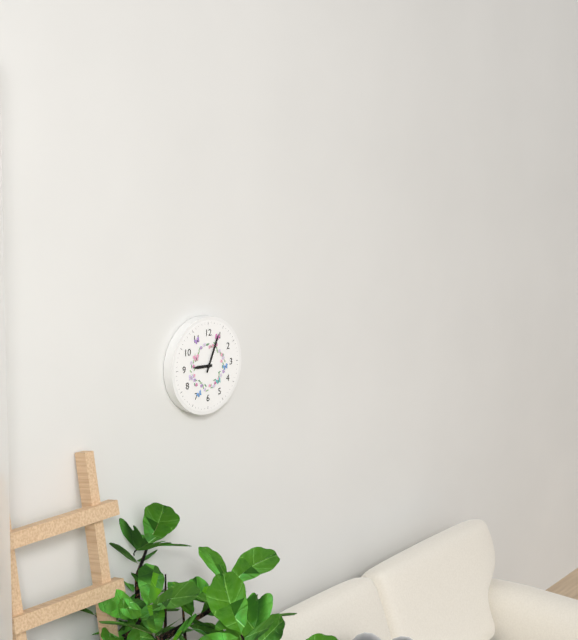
9h04
